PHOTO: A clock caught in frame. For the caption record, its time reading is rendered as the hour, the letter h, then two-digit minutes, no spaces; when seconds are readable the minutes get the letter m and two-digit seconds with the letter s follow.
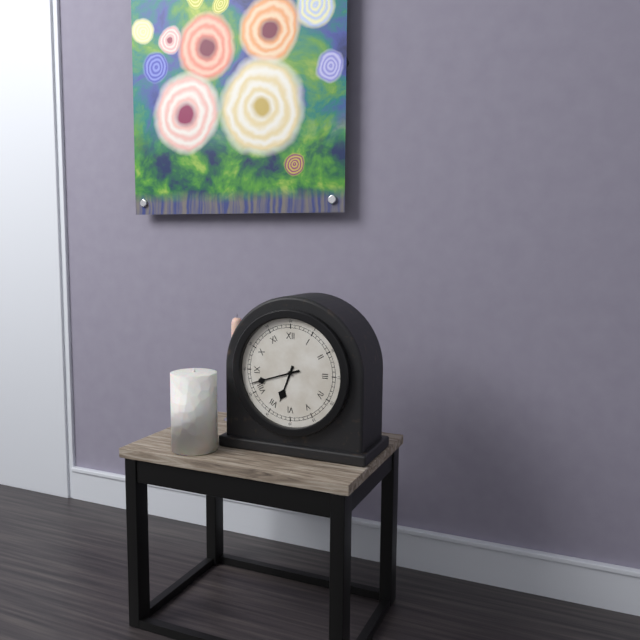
6h42
